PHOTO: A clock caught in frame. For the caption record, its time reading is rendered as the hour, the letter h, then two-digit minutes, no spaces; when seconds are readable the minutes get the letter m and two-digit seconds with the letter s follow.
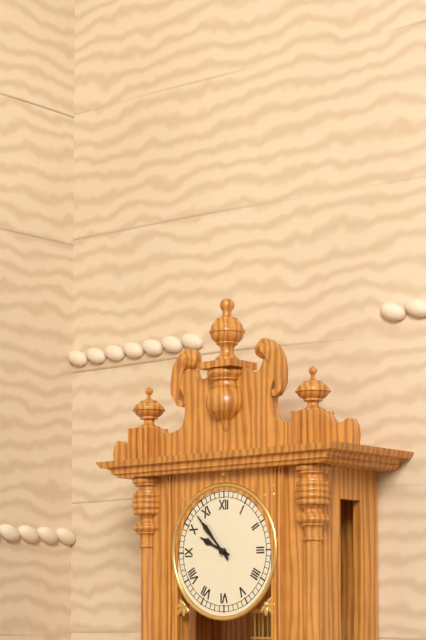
9h53
